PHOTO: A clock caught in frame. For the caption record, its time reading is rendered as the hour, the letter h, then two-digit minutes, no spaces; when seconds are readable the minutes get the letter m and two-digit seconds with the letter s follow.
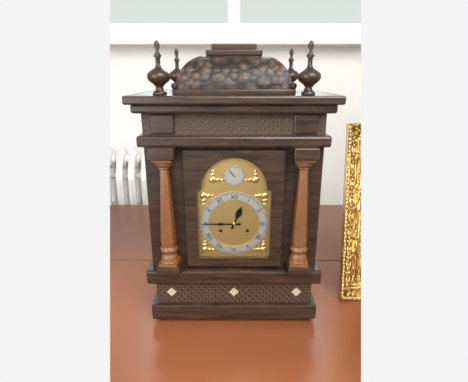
12h45
